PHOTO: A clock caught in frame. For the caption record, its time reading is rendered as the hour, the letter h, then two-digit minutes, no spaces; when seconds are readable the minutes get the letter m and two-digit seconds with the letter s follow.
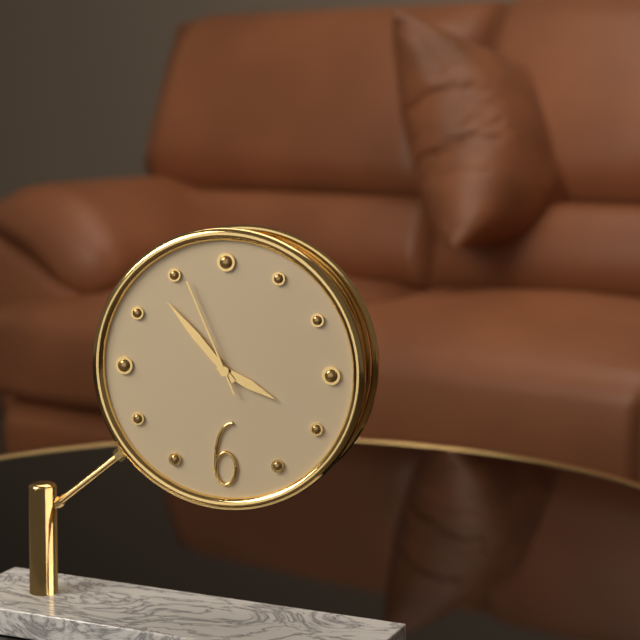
3h53m56s
